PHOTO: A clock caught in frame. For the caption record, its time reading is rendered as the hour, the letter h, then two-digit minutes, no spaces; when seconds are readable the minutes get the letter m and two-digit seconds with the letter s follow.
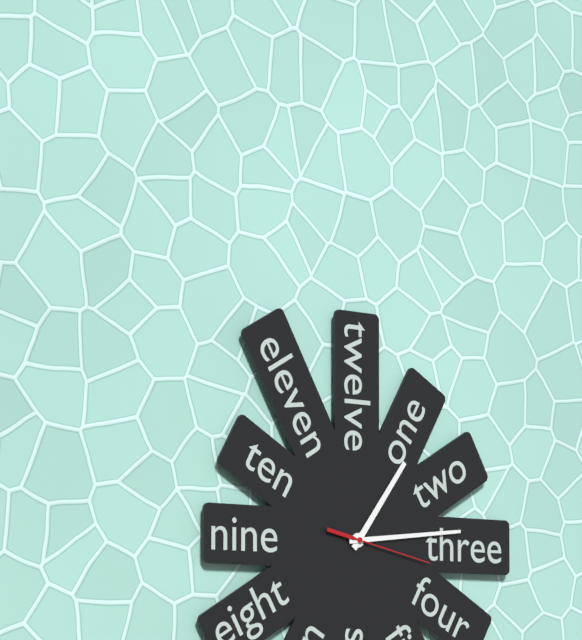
1h14m17s
